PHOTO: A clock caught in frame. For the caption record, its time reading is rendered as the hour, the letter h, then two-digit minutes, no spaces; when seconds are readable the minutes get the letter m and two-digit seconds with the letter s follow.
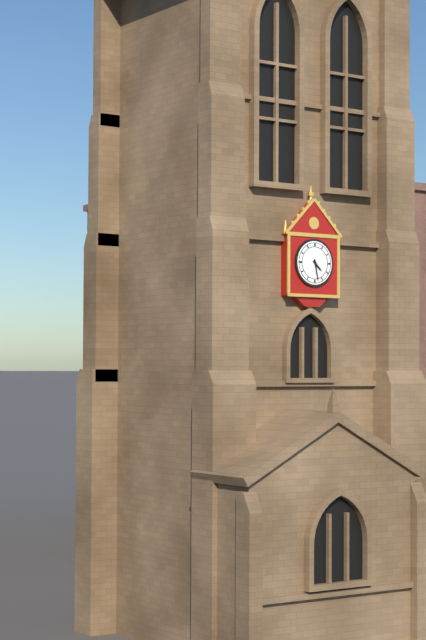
4h28
